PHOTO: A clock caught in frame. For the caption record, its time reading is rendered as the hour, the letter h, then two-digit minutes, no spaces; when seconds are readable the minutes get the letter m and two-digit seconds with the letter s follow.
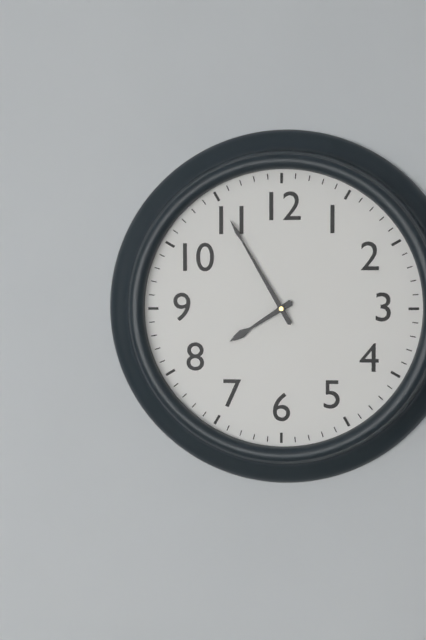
7h55
